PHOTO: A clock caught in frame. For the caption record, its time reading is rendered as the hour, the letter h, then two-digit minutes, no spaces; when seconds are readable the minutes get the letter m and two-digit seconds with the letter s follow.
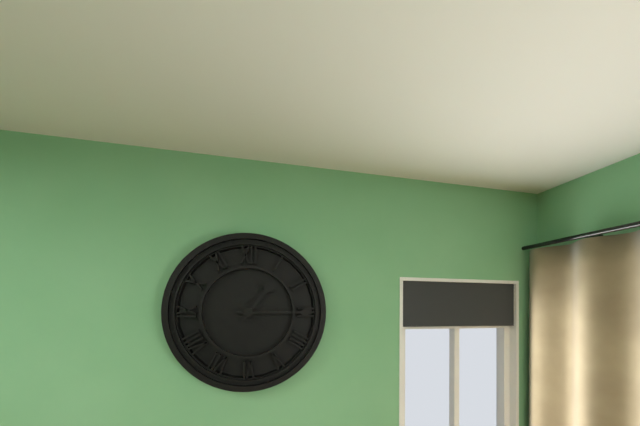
1h15
